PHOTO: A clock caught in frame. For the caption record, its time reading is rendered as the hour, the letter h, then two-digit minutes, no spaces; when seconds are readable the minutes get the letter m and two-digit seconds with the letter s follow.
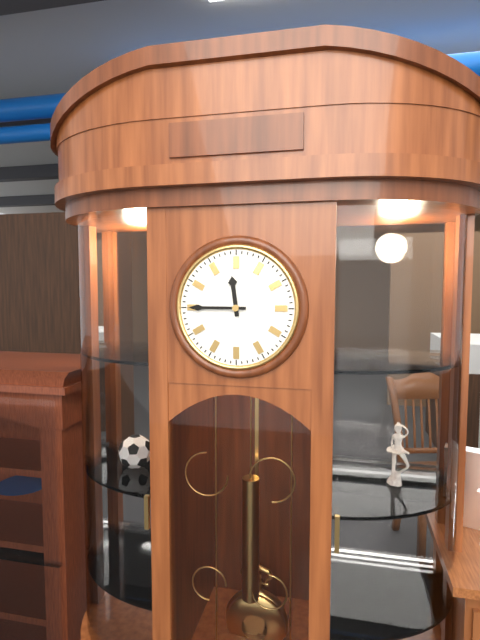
11h45
